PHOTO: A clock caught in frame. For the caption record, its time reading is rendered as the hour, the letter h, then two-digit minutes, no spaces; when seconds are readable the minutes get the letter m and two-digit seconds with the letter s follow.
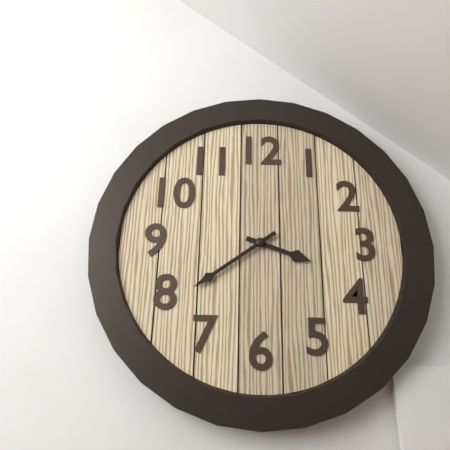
3h39
